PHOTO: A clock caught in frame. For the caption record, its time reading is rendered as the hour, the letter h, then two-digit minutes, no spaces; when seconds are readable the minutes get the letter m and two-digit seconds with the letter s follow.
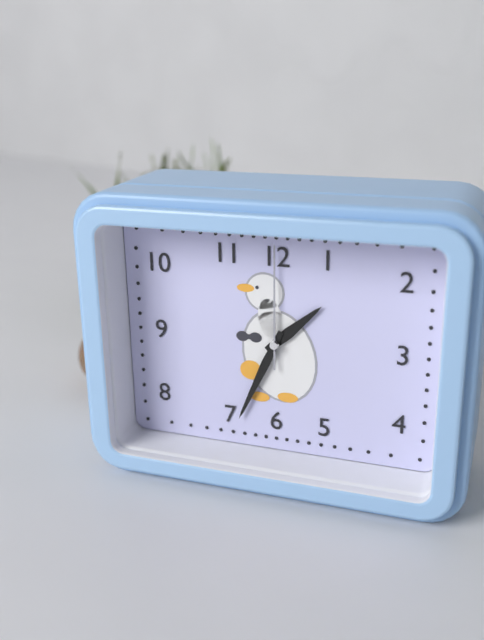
1h34m00s
